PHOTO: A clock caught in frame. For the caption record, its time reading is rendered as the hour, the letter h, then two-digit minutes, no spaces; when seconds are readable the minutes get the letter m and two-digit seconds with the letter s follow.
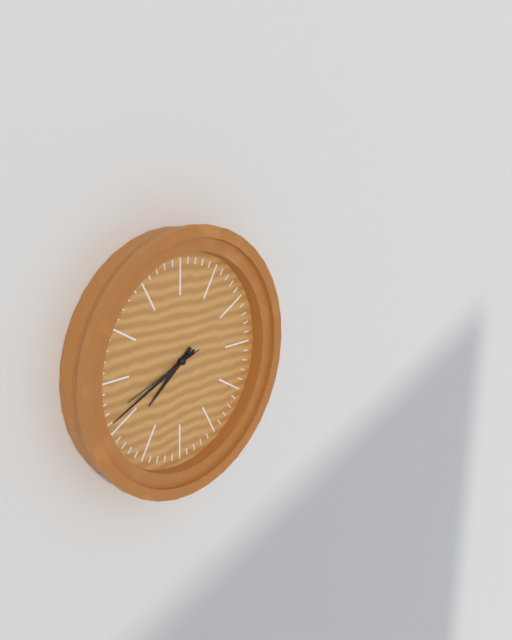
7h41m42s
